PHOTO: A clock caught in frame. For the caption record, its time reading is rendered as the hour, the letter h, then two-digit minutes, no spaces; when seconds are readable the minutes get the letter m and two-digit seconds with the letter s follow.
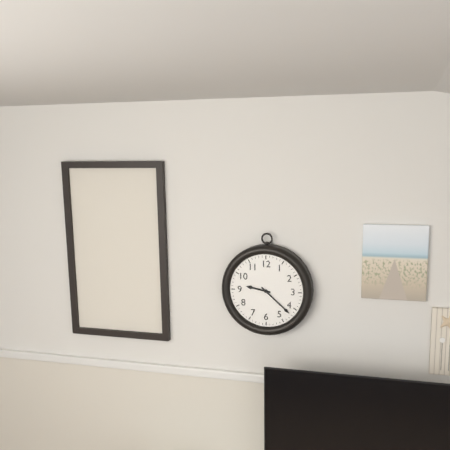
9h22
